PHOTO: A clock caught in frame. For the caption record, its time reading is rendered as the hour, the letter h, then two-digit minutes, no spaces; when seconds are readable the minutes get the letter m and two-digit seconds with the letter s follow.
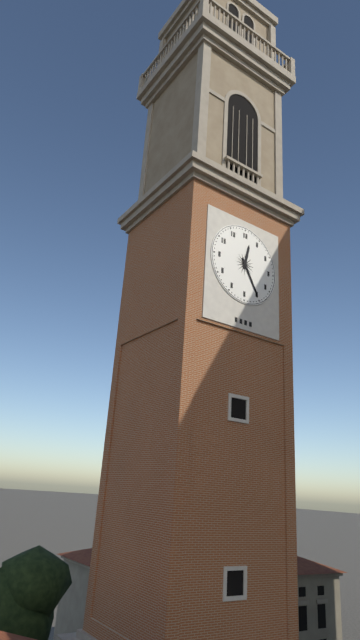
12h25
